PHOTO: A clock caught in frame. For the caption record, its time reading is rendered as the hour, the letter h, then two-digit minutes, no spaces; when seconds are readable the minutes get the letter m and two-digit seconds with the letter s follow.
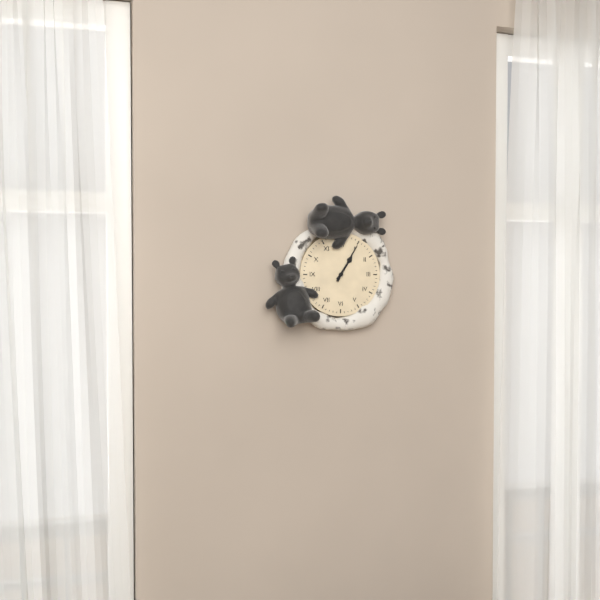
1h05
